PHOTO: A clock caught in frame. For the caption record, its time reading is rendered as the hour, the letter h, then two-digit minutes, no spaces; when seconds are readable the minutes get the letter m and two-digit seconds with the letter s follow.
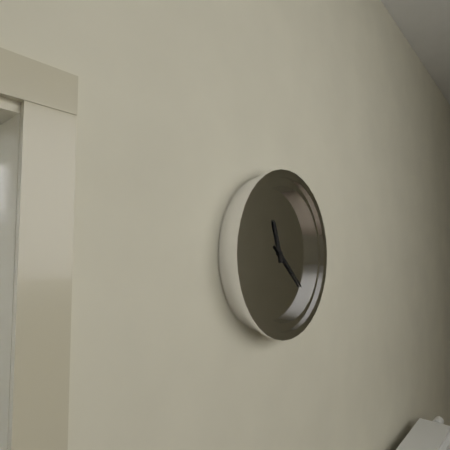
11h22
